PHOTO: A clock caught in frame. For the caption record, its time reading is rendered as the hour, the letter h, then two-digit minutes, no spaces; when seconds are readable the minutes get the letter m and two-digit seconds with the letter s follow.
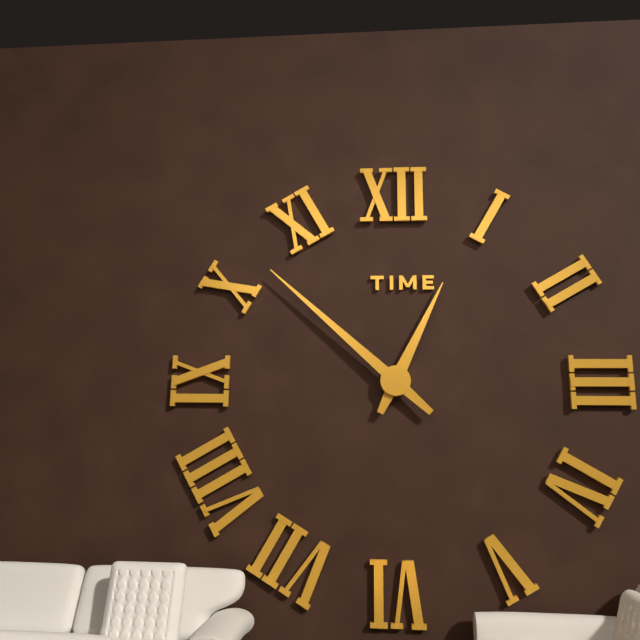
12h52
